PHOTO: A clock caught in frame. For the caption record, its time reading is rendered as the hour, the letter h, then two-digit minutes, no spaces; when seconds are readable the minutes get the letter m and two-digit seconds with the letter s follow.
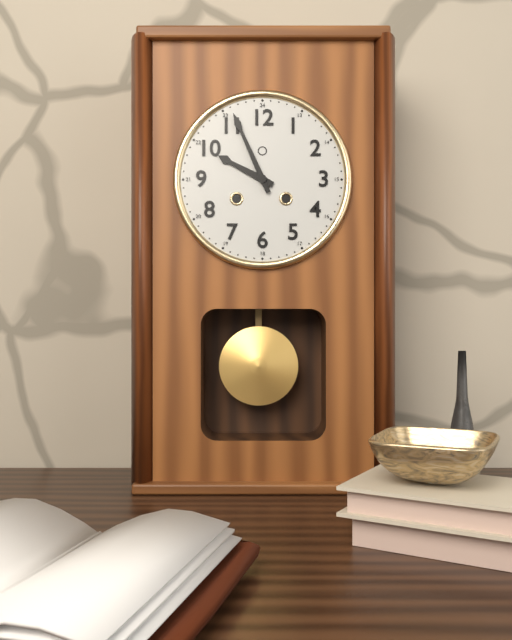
9h56
